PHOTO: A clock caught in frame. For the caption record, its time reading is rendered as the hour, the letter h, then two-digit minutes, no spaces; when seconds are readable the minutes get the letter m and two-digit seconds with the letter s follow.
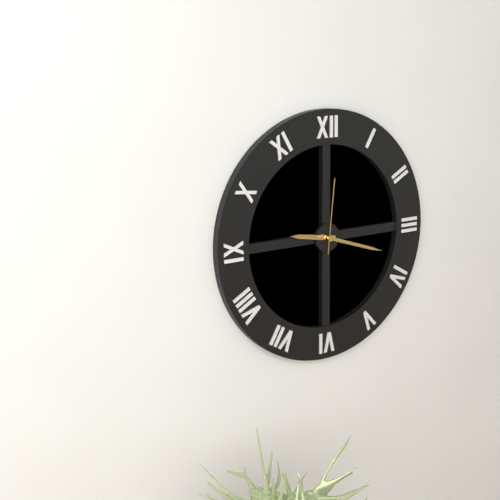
9h18m01s
